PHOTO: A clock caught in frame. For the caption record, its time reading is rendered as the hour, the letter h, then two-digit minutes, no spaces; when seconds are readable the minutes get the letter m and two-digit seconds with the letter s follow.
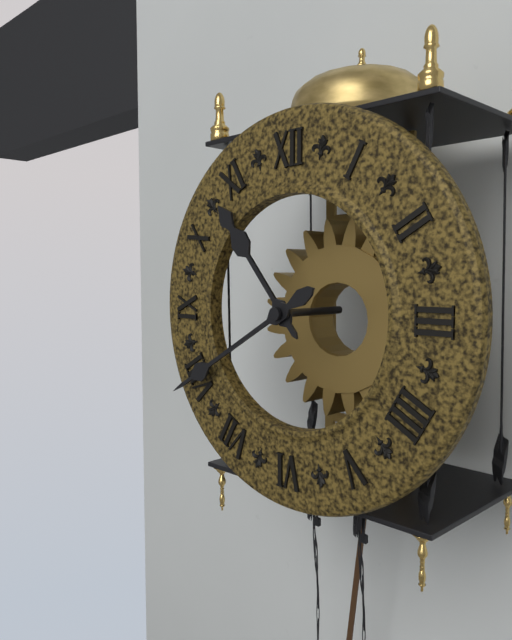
10h40
